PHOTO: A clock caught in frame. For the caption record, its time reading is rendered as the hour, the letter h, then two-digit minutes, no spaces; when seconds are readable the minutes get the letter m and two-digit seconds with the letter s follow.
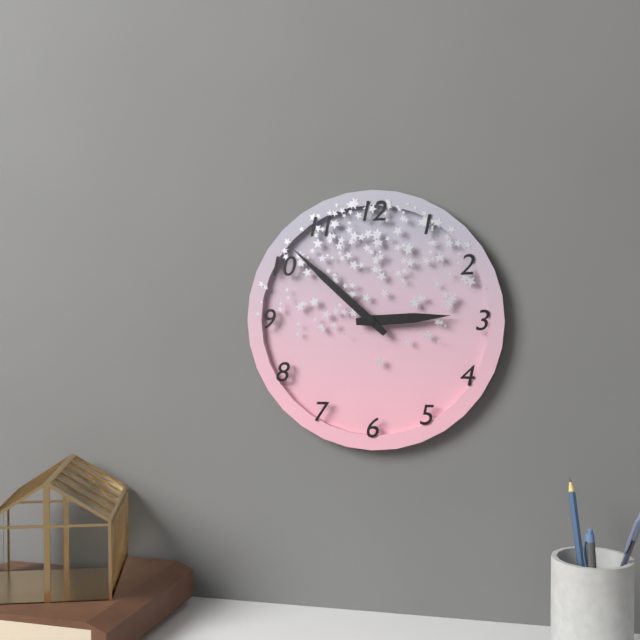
2h52
